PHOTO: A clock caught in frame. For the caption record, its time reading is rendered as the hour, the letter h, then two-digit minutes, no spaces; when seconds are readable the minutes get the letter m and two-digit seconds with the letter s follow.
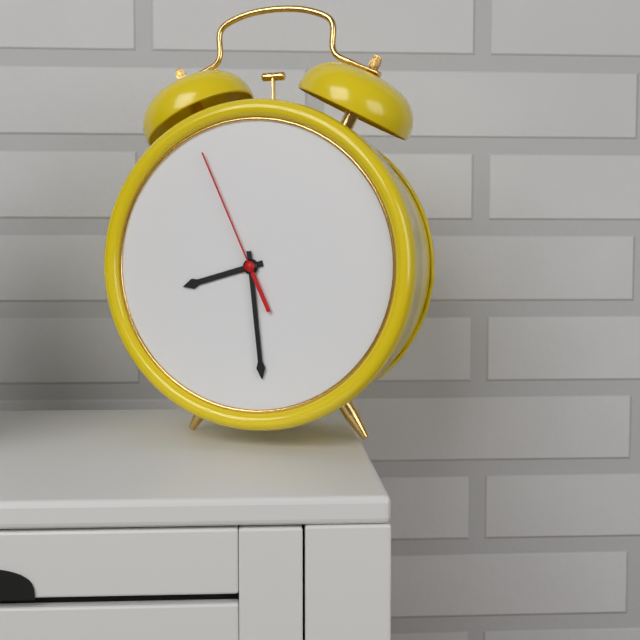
8h29m56s
